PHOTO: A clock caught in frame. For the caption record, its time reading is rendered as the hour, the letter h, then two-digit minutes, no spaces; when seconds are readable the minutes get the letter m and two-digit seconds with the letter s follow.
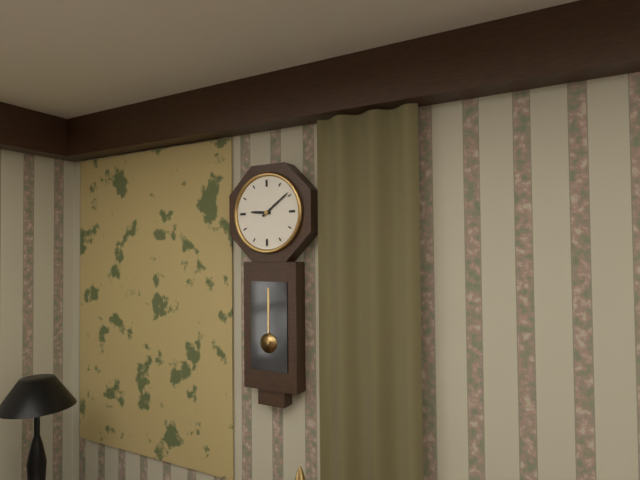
9h09
